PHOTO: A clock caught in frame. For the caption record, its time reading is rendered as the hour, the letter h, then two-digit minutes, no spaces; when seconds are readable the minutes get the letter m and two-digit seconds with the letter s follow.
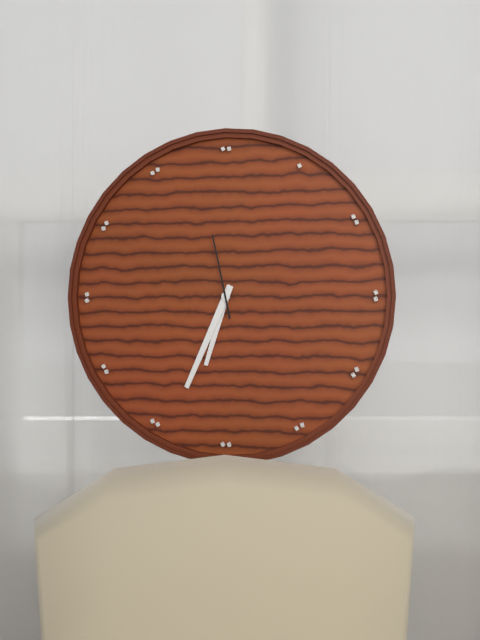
6h34m58s
